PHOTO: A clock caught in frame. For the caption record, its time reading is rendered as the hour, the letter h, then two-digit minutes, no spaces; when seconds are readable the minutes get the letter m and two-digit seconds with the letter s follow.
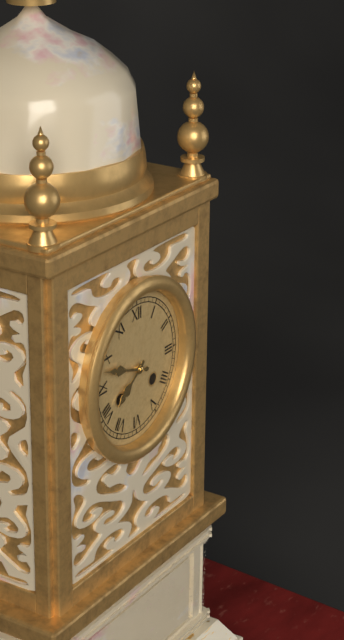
7h48
